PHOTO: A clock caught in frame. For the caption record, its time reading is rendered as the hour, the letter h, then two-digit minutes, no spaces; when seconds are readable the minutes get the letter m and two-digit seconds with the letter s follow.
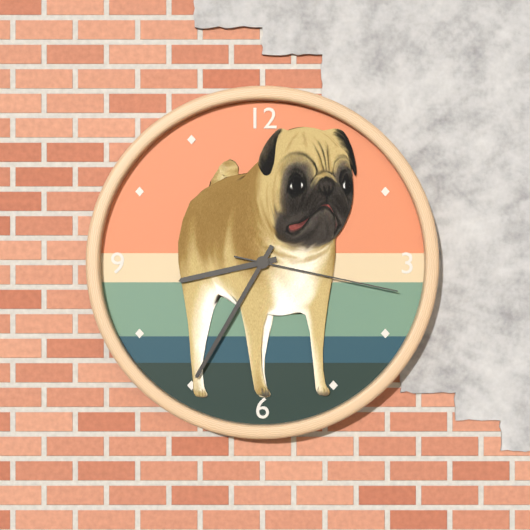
8h35m17s
